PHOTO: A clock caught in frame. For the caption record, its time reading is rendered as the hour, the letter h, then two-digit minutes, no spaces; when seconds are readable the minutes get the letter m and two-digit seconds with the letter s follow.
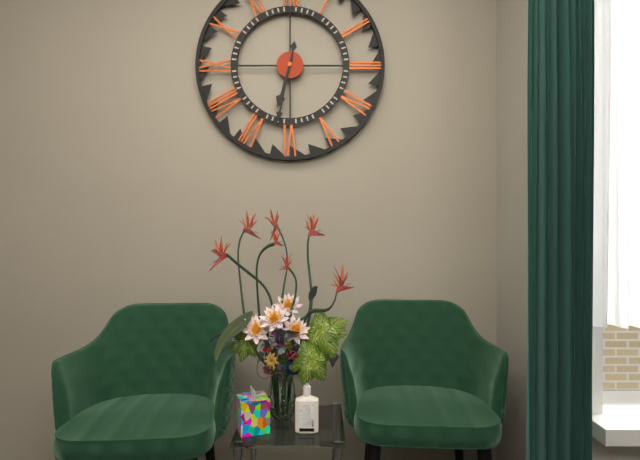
6h32
